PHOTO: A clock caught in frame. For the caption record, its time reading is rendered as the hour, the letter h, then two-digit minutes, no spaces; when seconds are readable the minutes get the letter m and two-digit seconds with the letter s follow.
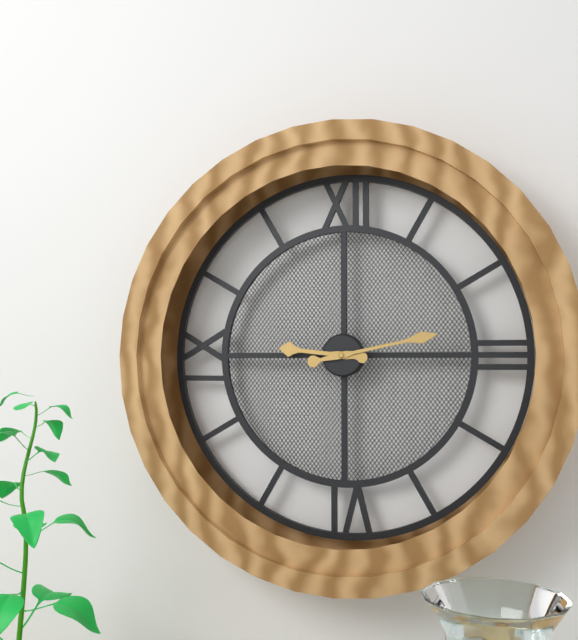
9h13
